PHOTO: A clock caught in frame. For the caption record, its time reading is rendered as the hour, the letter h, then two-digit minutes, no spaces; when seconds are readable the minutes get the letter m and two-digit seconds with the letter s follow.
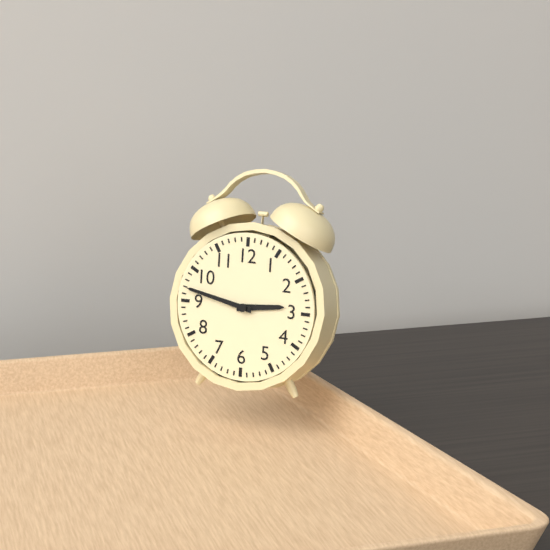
2h47
